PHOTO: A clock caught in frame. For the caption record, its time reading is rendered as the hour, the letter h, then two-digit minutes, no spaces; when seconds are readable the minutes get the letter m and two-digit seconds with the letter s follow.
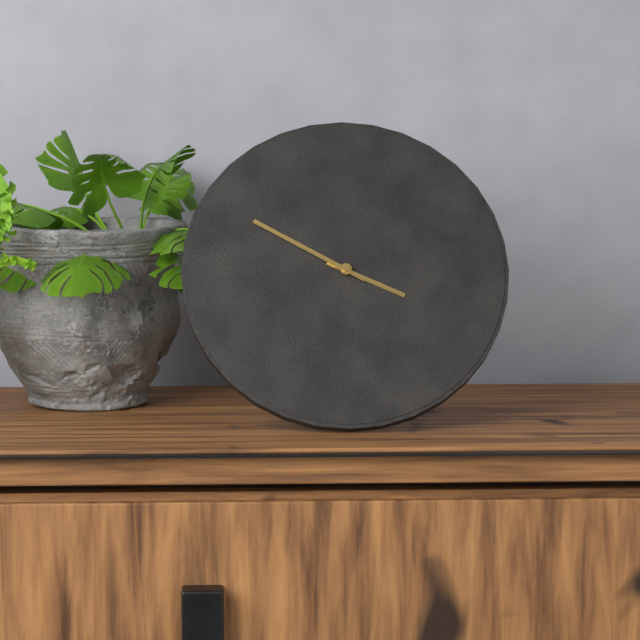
3h50
